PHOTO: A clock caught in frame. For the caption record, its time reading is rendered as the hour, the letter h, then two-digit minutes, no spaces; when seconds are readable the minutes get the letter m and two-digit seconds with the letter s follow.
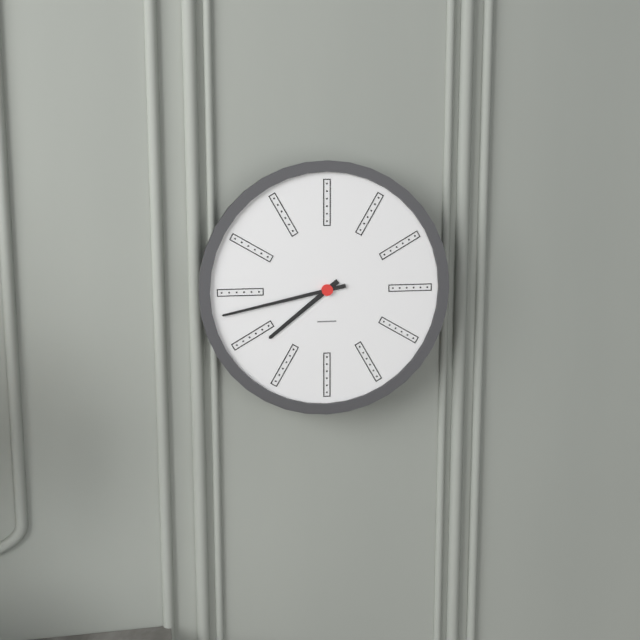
7h43
